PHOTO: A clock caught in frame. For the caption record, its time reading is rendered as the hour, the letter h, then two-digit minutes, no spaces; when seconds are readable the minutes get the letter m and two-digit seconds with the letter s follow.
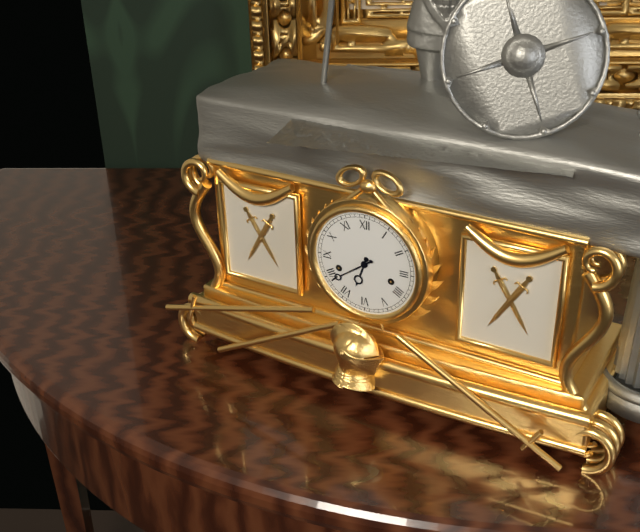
6h39
